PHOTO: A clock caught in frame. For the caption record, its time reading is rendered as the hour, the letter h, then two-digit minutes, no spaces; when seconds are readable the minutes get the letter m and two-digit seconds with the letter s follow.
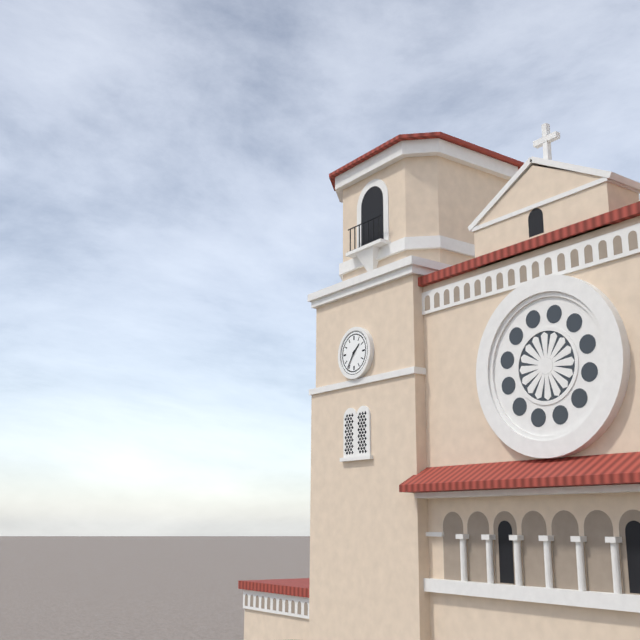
1h36
